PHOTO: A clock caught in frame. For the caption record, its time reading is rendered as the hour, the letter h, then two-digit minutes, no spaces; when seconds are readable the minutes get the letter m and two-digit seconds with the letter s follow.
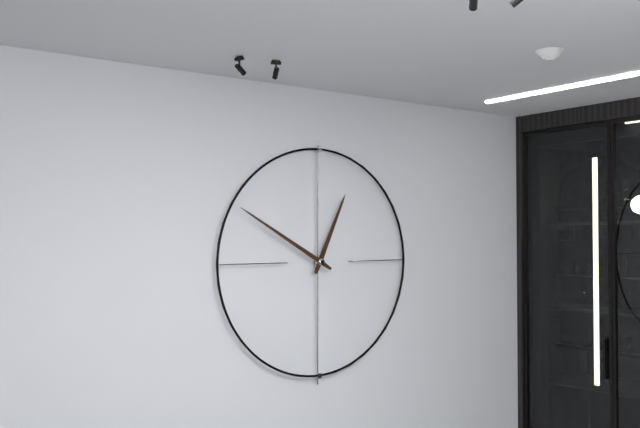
12h50
